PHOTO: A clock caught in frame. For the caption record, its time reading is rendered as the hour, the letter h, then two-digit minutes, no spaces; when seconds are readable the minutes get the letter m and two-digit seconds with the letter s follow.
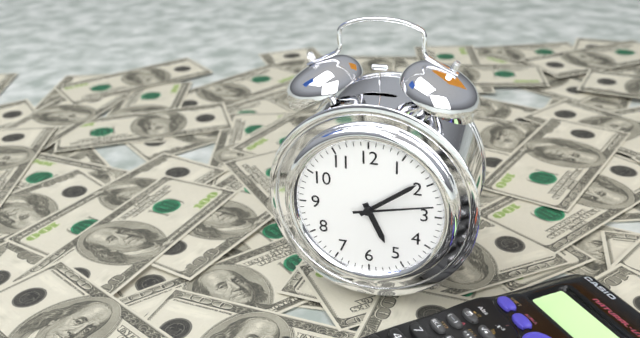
5h09m13s
